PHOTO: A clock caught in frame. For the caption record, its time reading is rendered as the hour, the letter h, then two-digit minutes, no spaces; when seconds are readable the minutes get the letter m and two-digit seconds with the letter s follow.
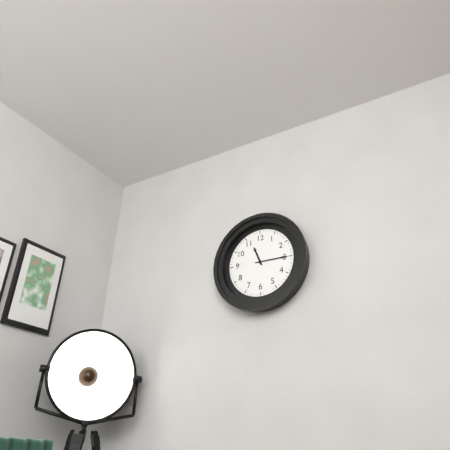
11h15
